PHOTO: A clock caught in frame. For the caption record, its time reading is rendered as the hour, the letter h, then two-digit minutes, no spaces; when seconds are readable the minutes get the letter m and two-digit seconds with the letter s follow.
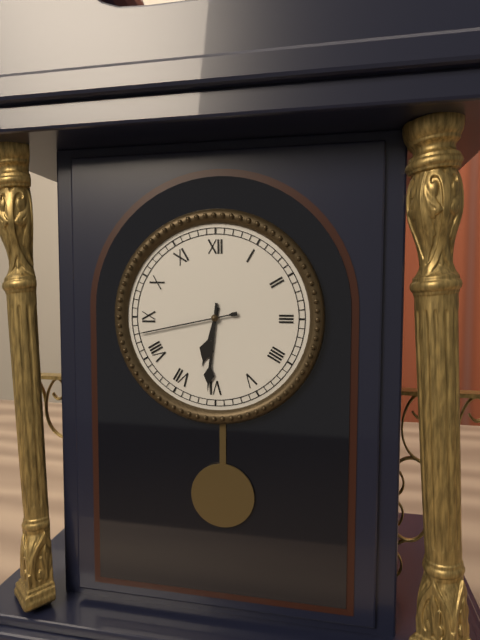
6h31m43s
